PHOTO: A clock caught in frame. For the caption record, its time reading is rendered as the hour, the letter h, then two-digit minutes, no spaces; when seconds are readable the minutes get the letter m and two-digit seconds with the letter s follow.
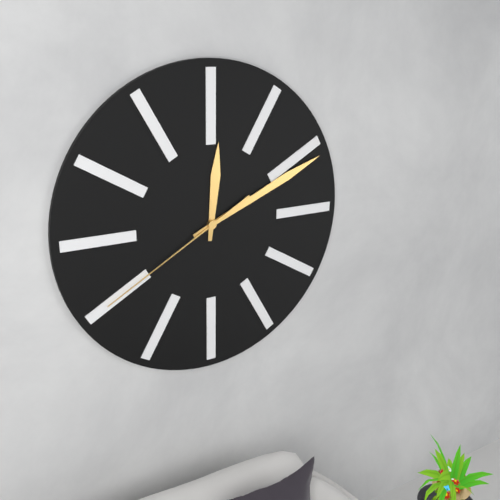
12h11m40s
